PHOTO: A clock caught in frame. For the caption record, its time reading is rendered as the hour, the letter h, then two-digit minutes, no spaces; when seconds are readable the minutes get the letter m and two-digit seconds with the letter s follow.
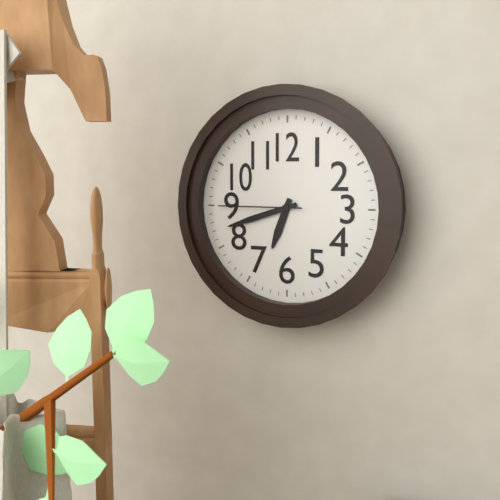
6h42m45s
